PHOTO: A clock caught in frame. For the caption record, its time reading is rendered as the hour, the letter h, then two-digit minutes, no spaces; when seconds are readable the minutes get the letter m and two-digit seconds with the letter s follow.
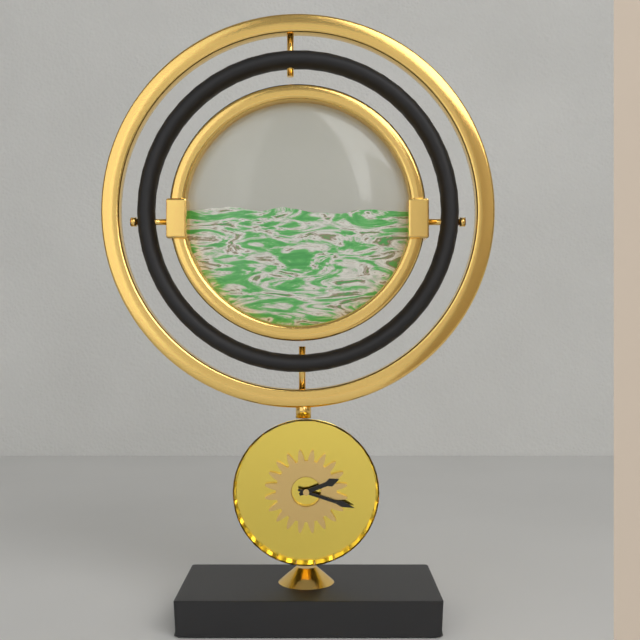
2h18
